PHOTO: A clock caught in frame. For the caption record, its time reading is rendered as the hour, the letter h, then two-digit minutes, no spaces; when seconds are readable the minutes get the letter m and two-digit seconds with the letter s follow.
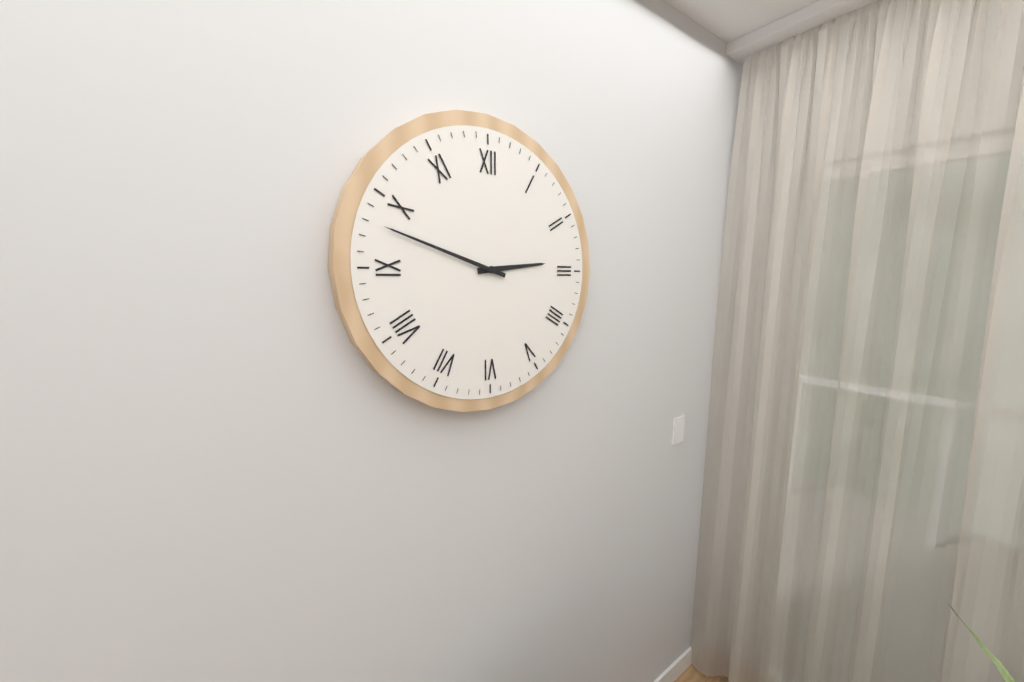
2h48
